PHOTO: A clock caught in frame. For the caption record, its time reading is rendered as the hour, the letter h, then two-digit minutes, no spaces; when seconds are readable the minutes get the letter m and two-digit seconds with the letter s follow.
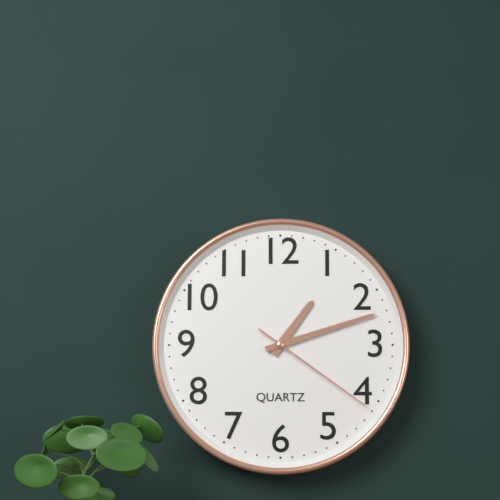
1h12m21s
